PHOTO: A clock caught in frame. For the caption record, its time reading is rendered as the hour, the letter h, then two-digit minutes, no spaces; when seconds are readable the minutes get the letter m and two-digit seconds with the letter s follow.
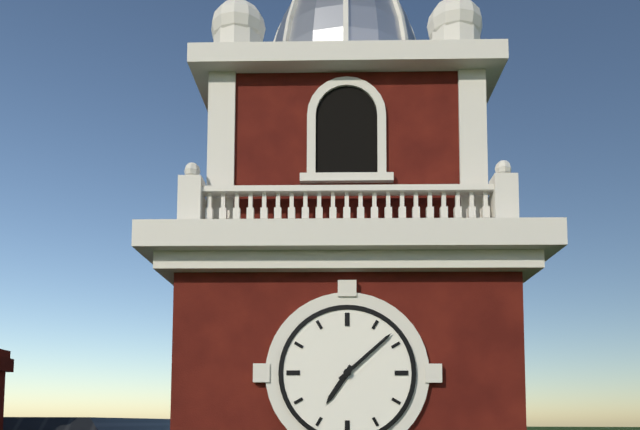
7h08
